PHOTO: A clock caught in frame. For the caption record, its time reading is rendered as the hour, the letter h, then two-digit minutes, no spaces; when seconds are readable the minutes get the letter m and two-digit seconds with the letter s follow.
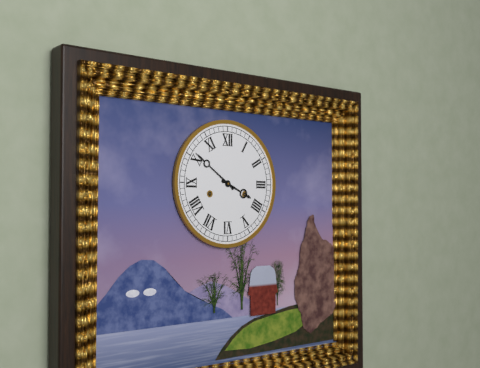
3h51
